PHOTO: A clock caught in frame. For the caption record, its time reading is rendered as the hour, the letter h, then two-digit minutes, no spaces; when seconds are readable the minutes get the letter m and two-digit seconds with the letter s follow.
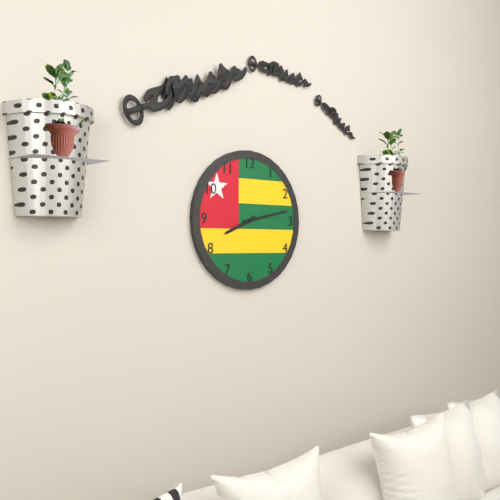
8h13
